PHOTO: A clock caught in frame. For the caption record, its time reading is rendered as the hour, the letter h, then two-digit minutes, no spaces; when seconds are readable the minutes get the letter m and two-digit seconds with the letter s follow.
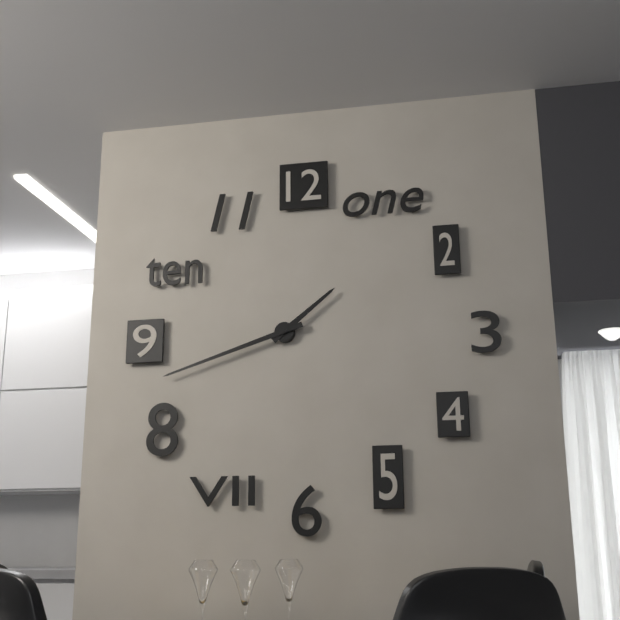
1h42
